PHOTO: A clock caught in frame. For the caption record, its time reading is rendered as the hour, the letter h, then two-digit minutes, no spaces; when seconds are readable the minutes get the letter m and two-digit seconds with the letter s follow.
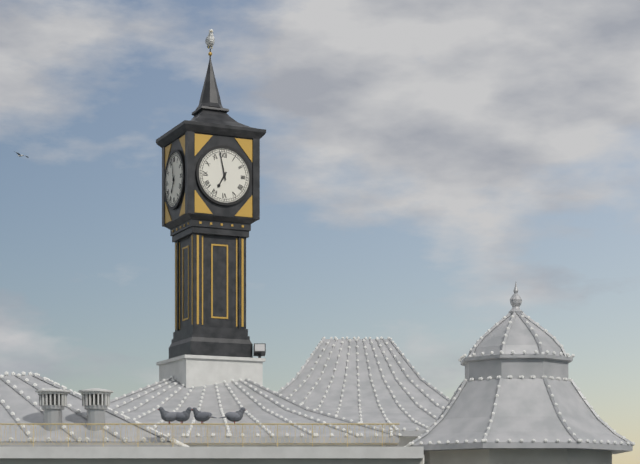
6h58
